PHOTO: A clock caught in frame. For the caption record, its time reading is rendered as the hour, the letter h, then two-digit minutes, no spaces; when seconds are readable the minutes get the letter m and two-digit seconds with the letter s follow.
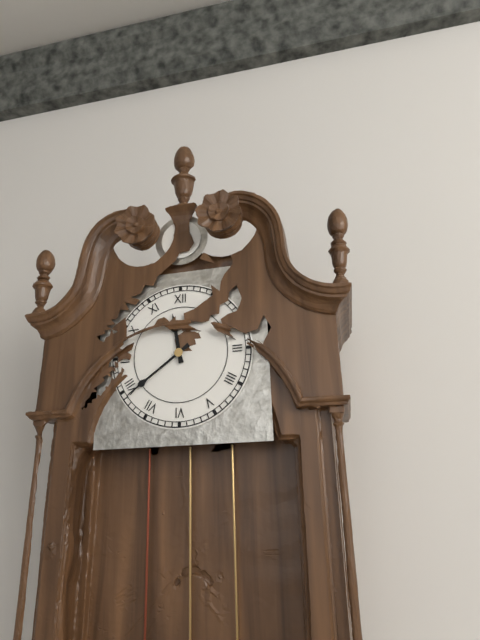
11h39
